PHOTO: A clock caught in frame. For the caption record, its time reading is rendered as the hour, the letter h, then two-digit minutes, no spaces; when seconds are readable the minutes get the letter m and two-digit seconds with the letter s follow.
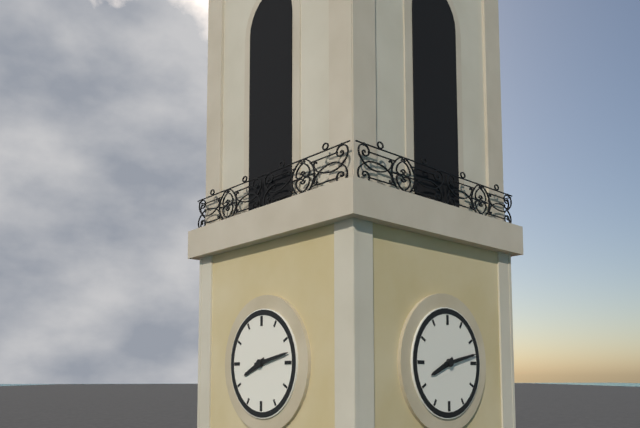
8h13
